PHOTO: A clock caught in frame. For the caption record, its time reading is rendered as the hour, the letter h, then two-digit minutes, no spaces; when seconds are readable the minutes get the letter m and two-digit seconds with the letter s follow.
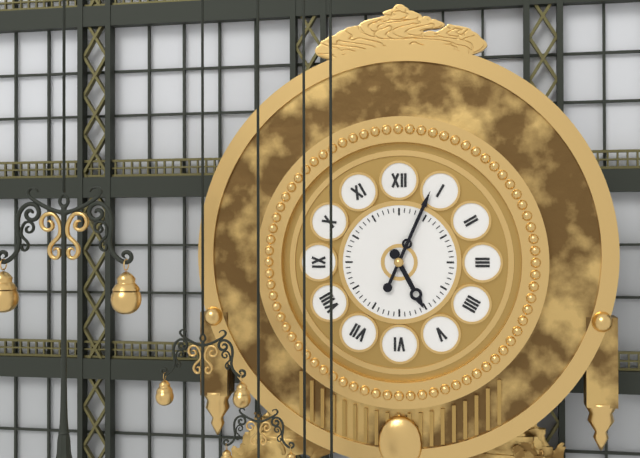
5h04
